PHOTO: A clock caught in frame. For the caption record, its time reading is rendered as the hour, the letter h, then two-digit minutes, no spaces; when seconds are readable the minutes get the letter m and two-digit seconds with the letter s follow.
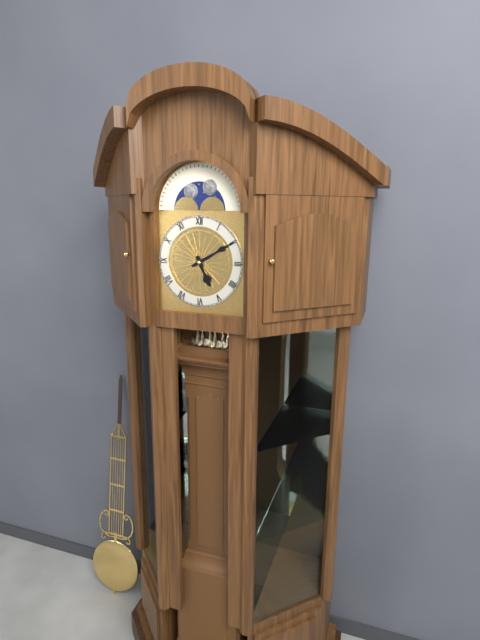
5h10
